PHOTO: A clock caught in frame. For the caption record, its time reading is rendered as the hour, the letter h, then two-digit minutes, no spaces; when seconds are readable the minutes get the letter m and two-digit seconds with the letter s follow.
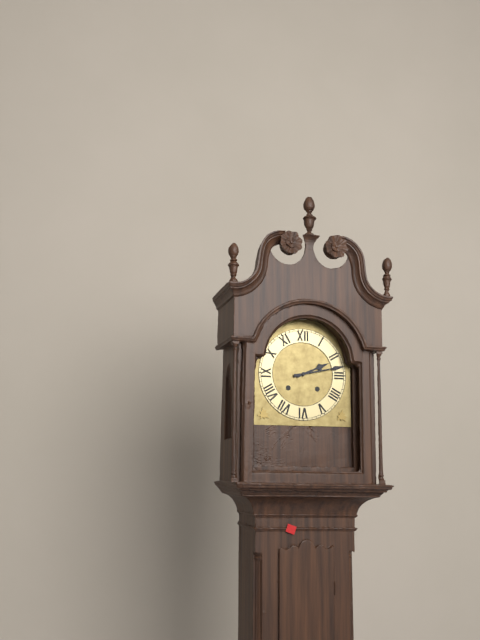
2h13
